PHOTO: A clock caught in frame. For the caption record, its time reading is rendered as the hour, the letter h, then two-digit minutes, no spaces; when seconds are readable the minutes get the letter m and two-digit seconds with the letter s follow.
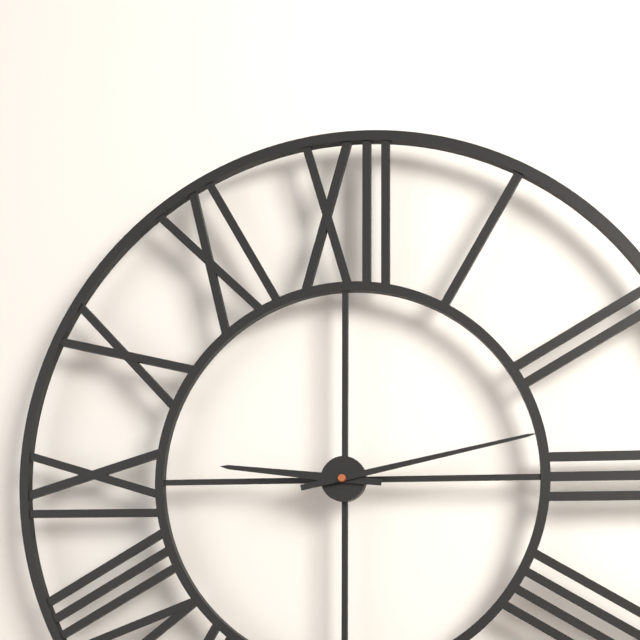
9h13
